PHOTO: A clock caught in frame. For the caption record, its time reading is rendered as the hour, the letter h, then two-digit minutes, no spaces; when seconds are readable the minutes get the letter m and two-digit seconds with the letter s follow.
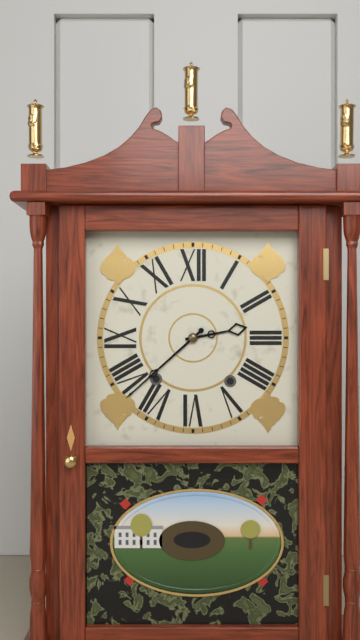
2h38
